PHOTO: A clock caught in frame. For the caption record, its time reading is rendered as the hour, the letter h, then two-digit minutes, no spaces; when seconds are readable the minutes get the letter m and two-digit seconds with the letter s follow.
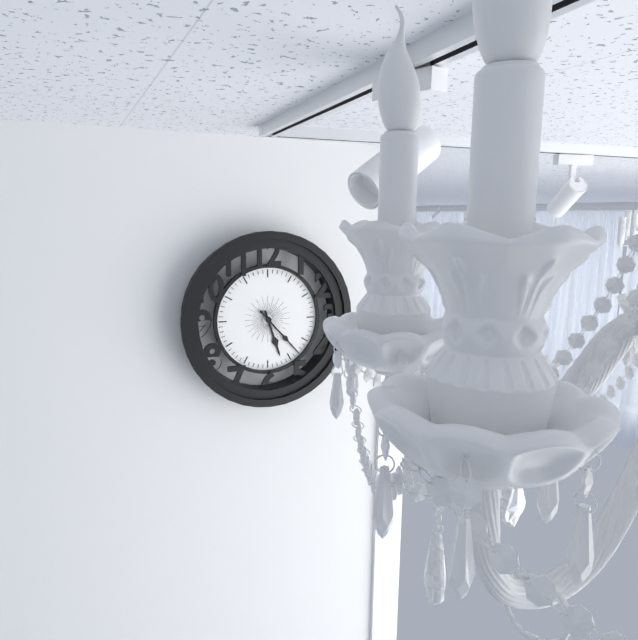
5h23
